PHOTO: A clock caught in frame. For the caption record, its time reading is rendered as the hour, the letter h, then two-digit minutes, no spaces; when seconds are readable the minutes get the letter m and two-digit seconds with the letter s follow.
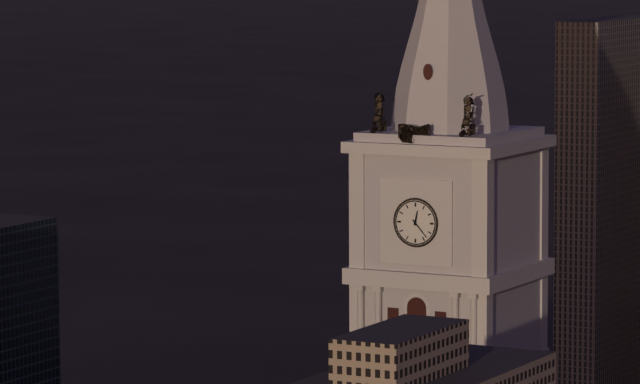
12h23
